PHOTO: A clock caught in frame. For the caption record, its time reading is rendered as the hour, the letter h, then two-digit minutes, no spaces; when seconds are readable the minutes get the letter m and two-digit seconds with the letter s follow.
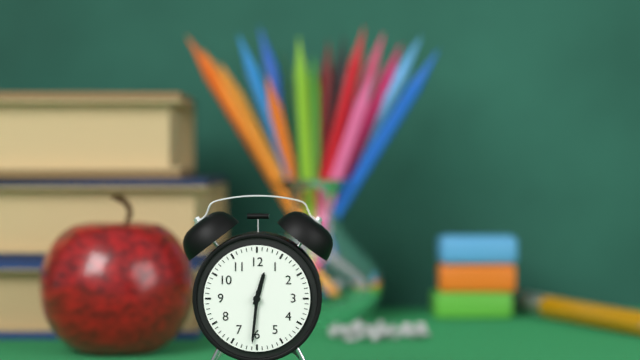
12h31
